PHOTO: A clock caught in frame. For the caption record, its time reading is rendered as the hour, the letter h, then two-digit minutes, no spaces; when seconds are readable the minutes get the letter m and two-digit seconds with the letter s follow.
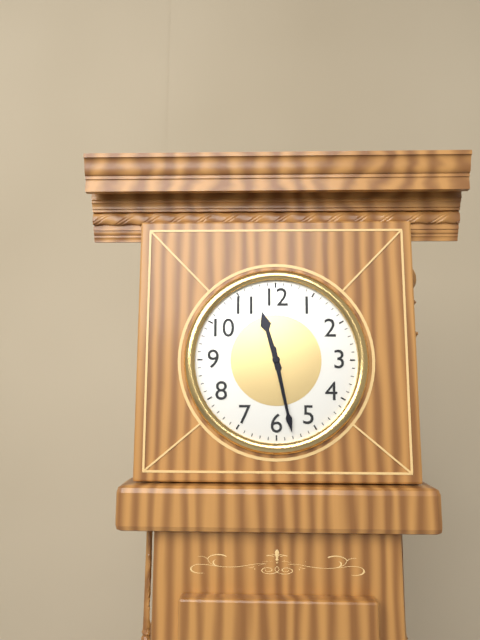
11h28
